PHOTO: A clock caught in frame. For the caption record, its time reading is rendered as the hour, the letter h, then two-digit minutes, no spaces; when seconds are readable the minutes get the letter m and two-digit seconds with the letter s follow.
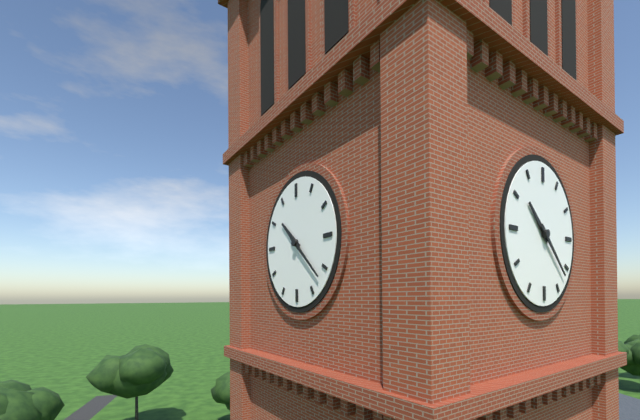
10h22
